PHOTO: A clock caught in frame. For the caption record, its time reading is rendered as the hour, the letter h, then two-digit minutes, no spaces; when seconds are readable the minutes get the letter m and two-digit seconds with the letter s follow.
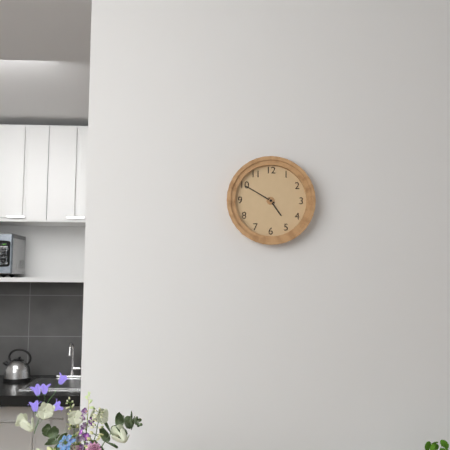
4h50
